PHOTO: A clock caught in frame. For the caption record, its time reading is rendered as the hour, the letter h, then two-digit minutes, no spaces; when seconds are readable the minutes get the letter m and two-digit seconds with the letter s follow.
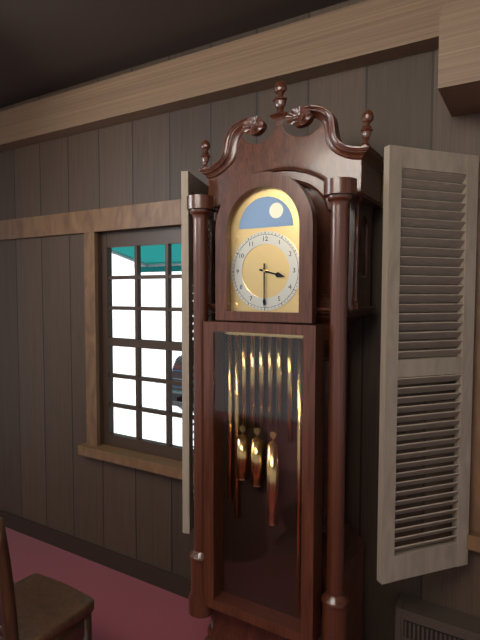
3h30
